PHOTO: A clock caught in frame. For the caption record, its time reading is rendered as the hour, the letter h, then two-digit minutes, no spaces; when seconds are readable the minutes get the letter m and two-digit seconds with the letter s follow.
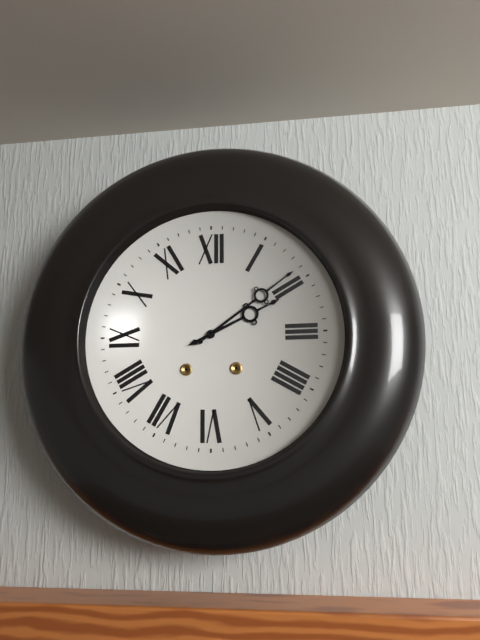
2h09
